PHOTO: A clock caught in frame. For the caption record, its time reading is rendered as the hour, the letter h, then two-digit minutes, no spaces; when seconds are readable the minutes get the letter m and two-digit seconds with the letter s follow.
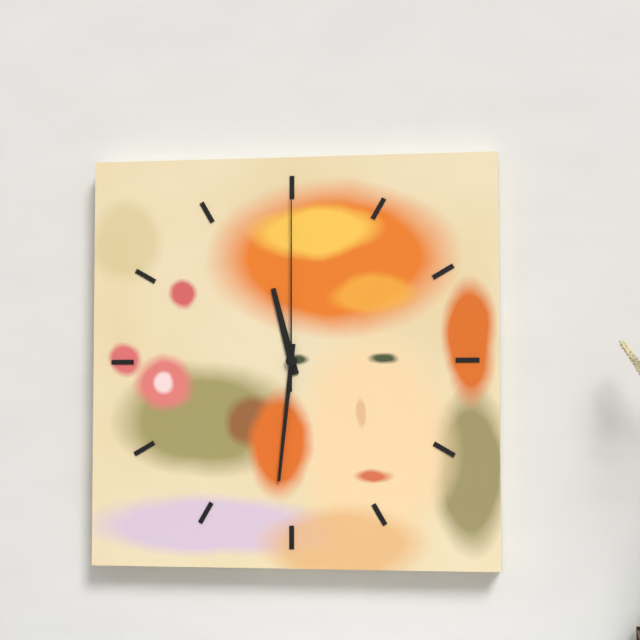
11h31m00s
